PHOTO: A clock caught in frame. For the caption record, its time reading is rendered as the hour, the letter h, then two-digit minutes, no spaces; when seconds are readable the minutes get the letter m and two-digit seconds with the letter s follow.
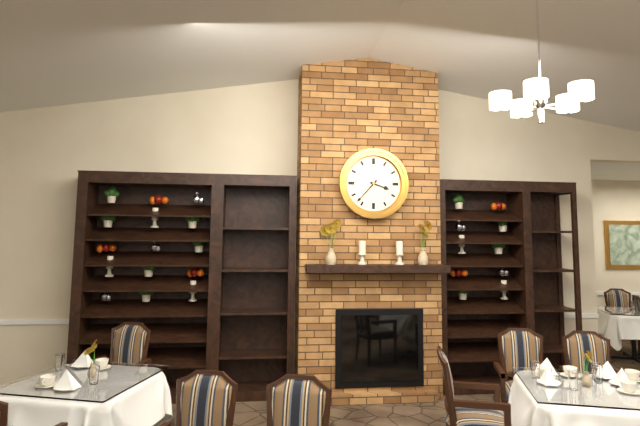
3h37
